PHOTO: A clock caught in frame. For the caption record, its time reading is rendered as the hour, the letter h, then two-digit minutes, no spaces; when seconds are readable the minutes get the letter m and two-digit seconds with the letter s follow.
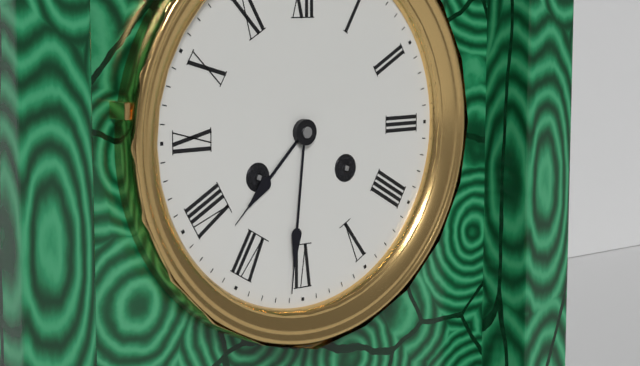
7h31
